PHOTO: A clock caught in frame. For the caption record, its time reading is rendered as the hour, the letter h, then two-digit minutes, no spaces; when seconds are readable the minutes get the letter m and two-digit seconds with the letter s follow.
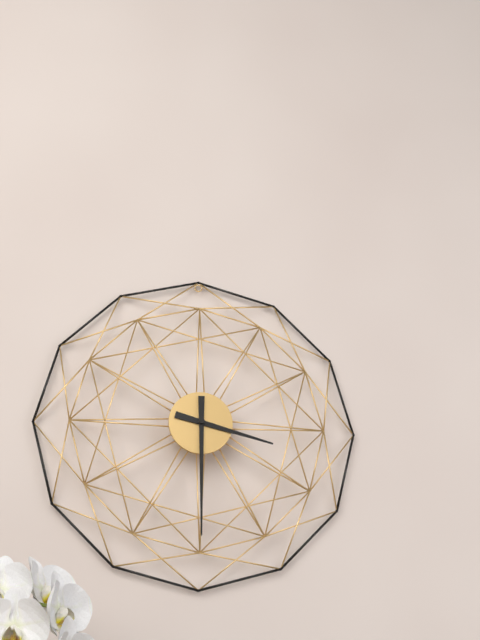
3h30
